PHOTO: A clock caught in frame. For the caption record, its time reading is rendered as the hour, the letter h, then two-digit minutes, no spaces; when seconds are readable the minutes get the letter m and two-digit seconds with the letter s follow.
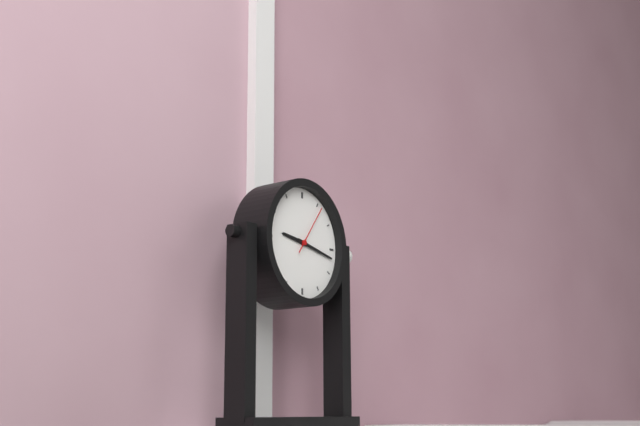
9h17m06s
